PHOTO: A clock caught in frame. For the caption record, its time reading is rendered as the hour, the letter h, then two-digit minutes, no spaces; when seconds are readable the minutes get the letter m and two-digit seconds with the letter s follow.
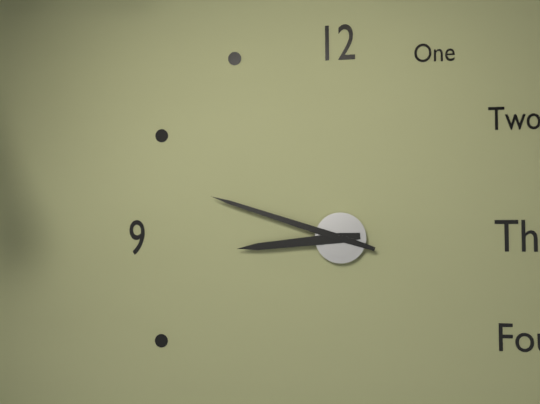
8h48
